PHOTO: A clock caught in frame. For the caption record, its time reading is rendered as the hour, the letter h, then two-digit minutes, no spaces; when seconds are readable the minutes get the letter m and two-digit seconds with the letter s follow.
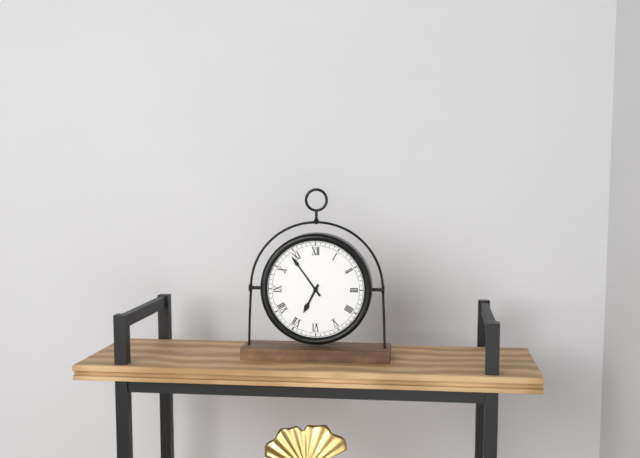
6h54
